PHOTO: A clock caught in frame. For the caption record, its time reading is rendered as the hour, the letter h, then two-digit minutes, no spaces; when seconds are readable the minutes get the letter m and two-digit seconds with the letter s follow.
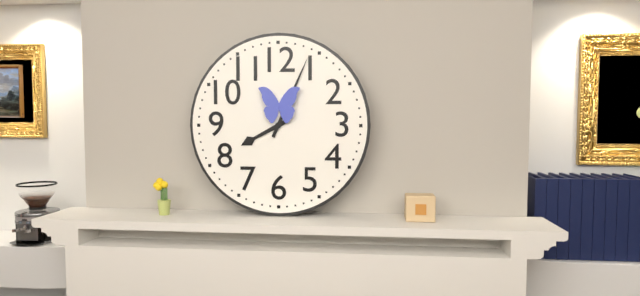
8h04
